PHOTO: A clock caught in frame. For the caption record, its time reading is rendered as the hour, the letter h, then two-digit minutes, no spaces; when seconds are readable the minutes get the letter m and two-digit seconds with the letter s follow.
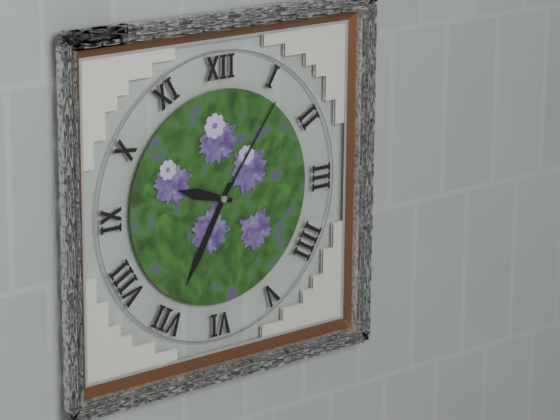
9h35m06s
